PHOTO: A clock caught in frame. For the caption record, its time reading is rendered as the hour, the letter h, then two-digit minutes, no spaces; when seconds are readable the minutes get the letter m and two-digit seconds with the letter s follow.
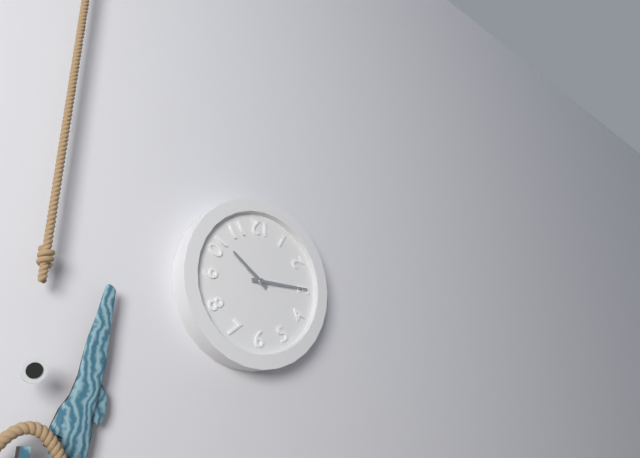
10h15
